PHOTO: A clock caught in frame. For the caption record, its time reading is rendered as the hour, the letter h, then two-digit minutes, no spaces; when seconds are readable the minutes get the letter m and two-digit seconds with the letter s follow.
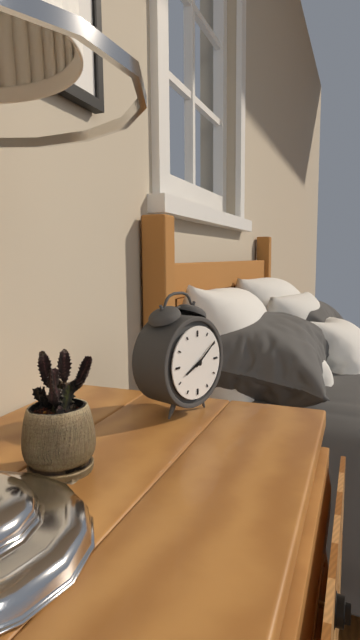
8h09
